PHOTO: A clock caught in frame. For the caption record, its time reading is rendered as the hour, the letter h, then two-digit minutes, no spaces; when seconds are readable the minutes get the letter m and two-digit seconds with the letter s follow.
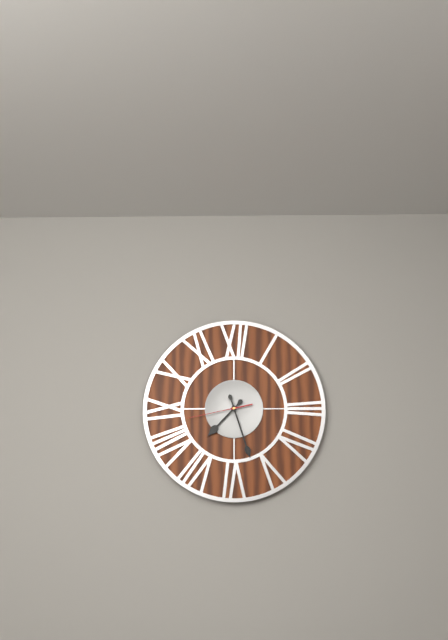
7h27m43s
